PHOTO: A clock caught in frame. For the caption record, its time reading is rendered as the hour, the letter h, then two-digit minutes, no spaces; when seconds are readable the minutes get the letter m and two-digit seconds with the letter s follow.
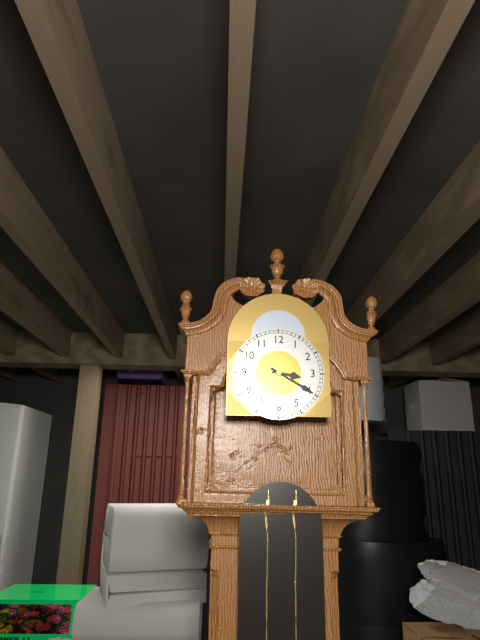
3h20
